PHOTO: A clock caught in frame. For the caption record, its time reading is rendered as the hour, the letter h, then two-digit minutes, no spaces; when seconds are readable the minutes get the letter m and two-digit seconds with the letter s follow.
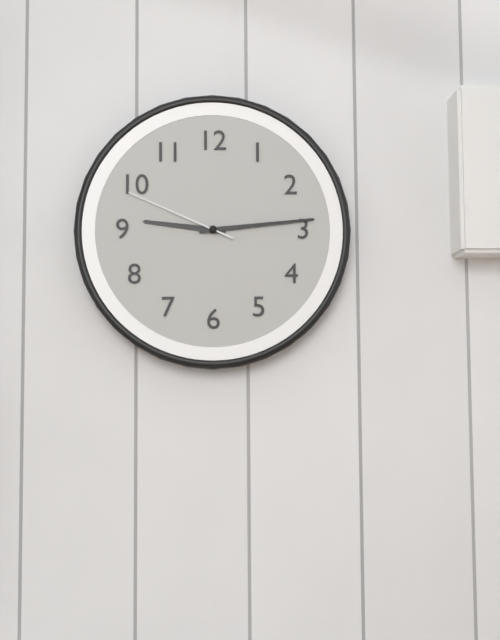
9h14m49s
